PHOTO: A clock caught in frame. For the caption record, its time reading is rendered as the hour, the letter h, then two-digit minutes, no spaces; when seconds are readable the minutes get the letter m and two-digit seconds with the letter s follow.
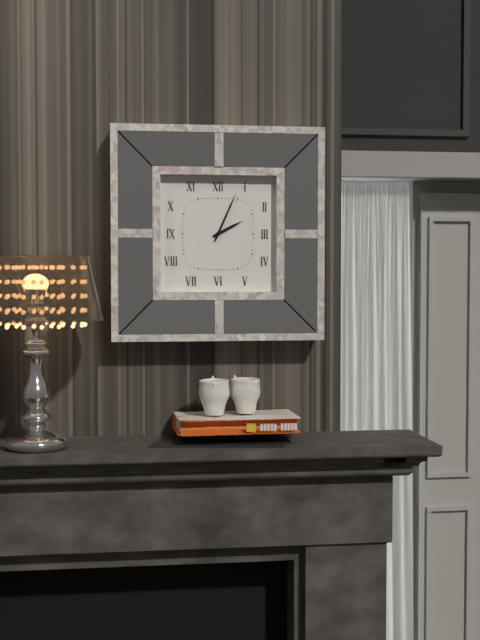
2h04
